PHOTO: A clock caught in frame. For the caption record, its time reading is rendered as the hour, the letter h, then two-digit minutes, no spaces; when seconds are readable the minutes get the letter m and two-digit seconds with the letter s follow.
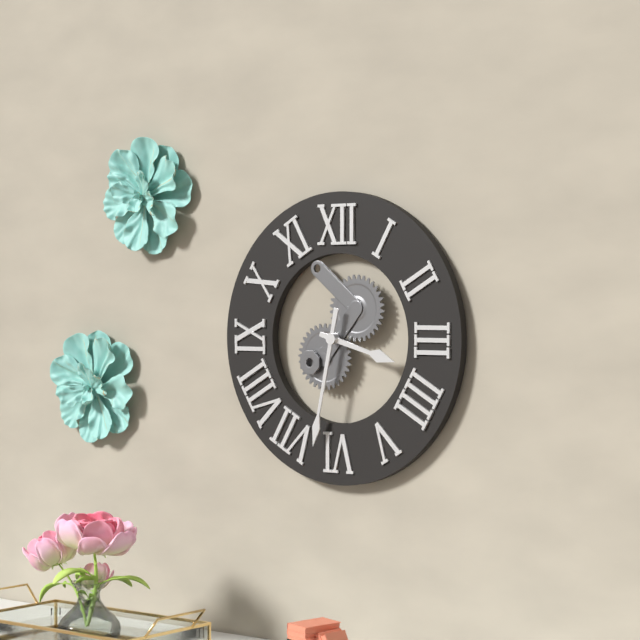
3h32
